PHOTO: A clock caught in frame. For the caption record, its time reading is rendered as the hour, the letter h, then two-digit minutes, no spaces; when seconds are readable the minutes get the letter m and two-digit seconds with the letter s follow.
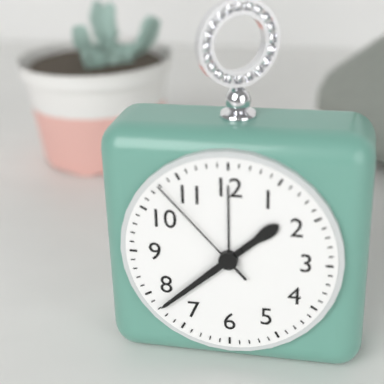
1h38m53s
